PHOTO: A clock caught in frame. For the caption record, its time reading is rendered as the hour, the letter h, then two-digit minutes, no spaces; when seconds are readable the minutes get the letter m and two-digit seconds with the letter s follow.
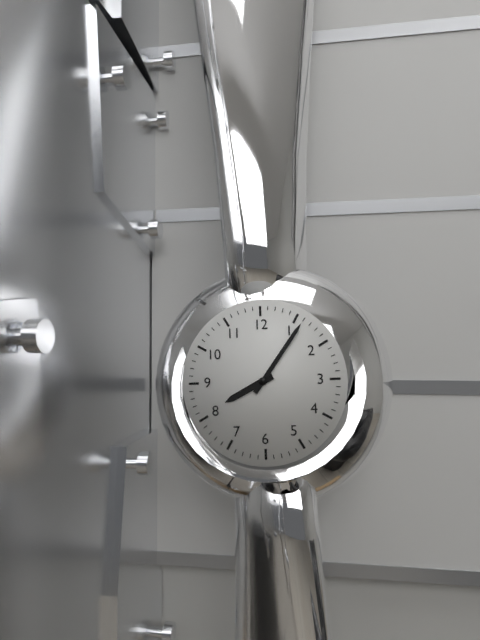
8h06
